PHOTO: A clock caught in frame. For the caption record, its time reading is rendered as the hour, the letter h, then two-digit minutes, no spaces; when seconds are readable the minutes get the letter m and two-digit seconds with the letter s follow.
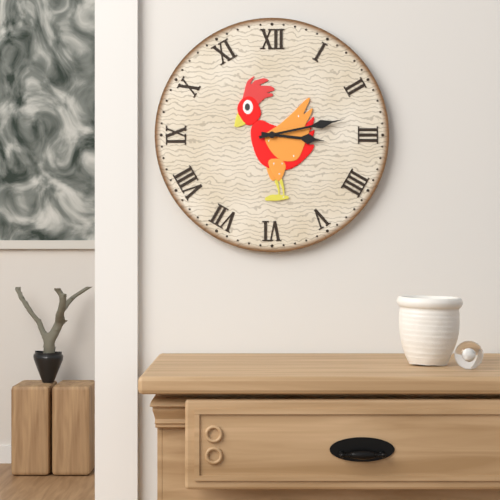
3h13
